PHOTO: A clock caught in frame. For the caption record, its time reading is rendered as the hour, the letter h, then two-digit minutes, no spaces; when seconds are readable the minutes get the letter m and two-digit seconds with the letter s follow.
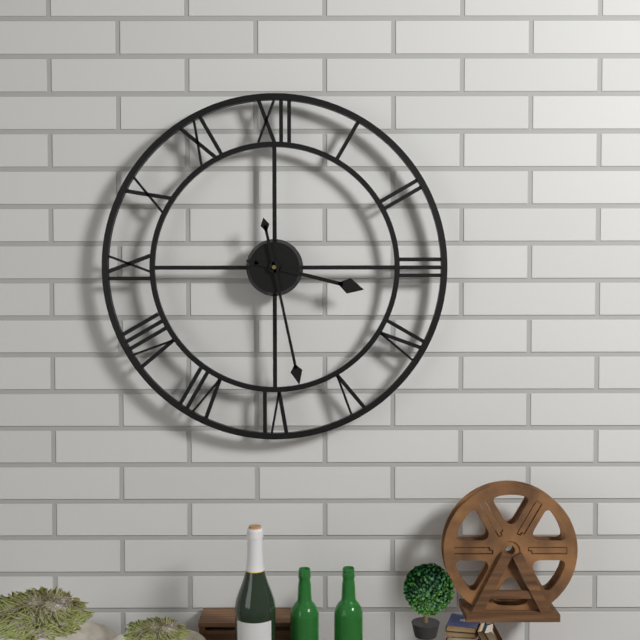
3h28
